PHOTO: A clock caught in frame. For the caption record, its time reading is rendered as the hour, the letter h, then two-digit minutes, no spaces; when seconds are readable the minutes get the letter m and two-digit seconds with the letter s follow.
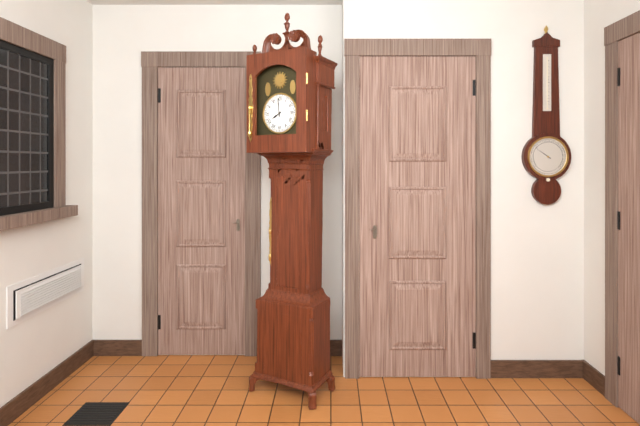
7h59
